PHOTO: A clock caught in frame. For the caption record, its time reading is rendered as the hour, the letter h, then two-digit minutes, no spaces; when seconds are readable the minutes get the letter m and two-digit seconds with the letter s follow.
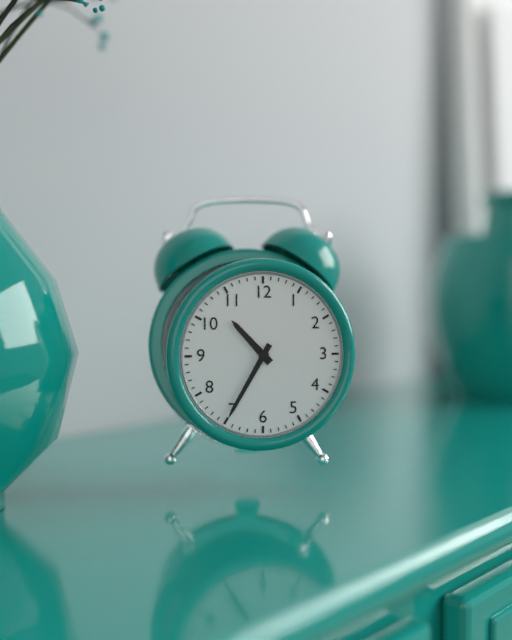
10h35
